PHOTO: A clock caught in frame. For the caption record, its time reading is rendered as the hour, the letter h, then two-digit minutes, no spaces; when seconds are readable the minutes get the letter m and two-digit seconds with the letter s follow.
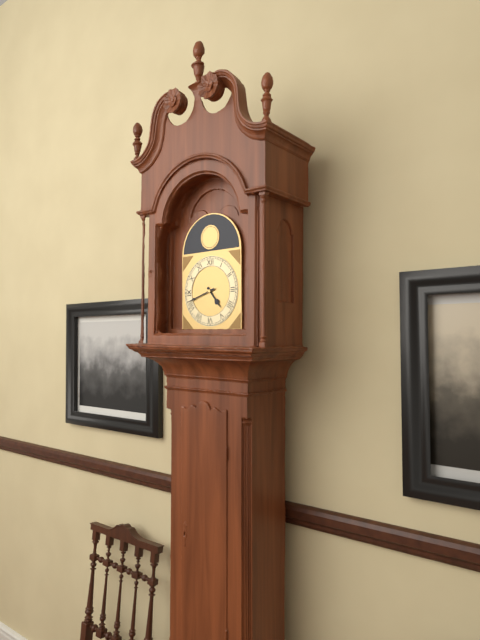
4h42
